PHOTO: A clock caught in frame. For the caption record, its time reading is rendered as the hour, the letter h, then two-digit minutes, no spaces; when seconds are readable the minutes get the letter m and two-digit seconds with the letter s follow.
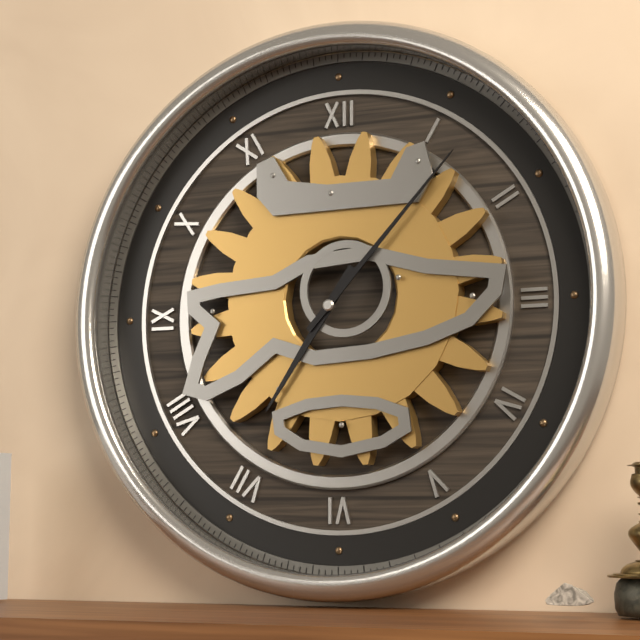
7h07
